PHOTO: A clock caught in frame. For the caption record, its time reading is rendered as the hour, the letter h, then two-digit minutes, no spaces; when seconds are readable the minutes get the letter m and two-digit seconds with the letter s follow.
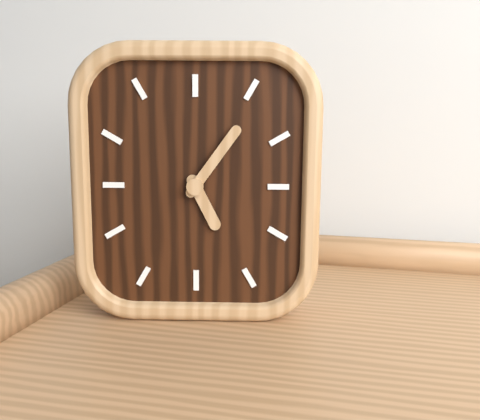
5h06
